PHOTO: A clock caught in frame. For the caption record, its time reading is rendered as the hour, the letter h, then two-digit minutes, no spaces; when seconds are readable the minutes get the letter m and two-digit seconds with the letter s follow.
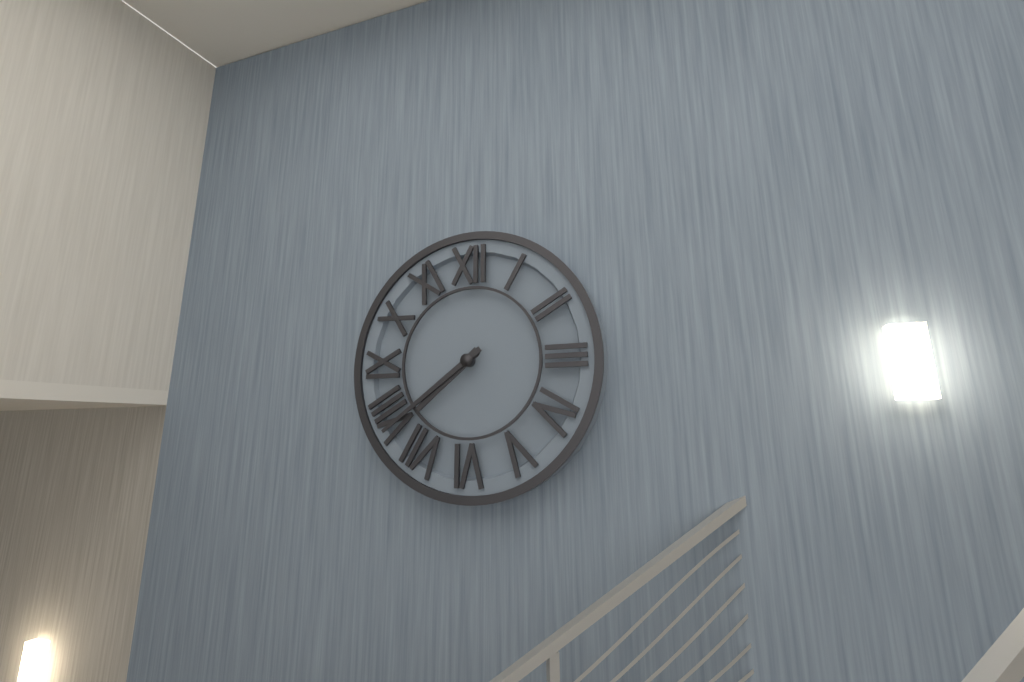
7h39
